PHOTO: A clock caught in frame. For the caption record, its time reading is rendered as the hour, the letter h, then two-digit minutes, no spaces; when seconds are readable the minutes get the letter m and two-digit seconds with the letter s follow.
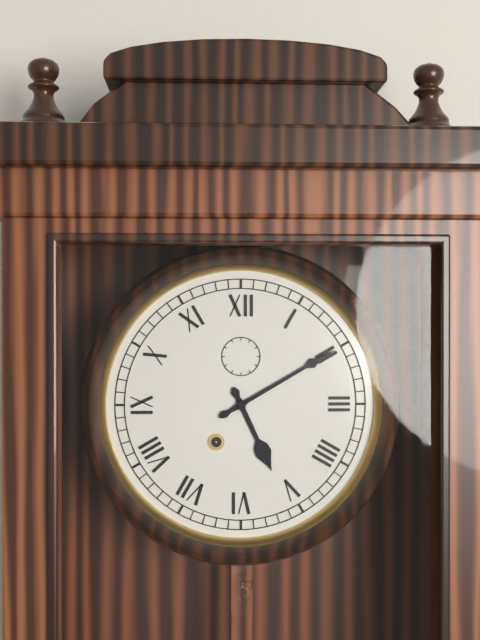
5h10
